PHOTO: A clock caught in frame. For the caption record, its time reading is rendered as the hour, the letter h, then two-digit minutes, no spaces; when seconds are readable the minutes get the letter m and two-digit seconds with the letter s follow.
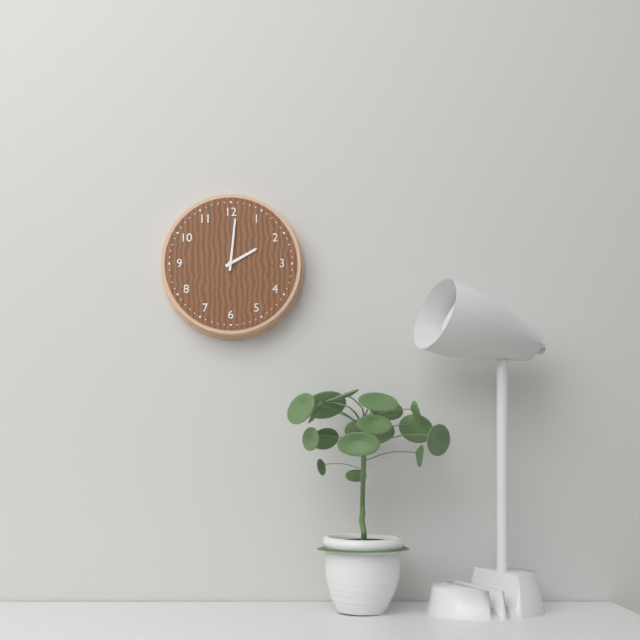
2h01
